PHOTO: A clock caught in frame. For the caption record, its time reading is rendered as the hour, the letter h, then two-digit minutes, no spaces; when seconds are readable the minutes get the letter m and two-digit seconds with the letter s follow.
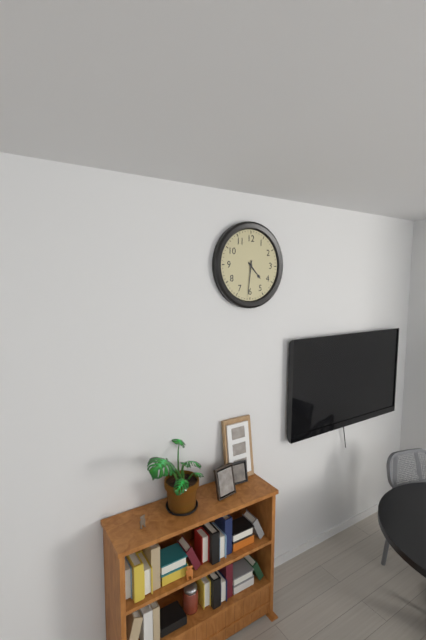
4h31
